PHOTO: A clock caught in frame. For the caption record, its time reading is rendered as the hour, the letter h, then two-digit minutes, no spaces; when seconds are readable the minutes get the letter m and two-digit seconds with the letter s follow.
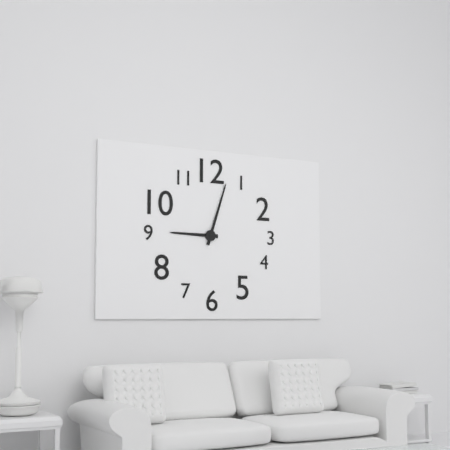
9h03
